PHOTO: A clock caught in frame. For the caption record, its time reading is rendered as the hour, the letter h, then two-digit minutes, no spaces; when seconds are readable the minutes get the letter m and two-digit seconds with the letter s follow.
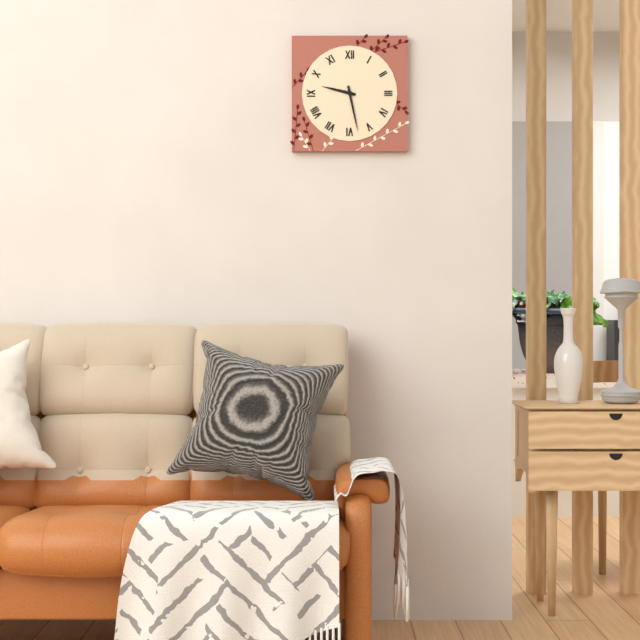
9h28
